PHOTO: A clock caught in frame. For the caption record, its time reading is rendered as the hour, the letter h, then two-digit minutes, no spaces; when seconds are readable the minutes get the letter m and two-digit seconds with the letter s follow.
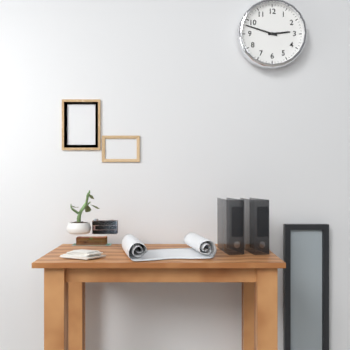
2h48
